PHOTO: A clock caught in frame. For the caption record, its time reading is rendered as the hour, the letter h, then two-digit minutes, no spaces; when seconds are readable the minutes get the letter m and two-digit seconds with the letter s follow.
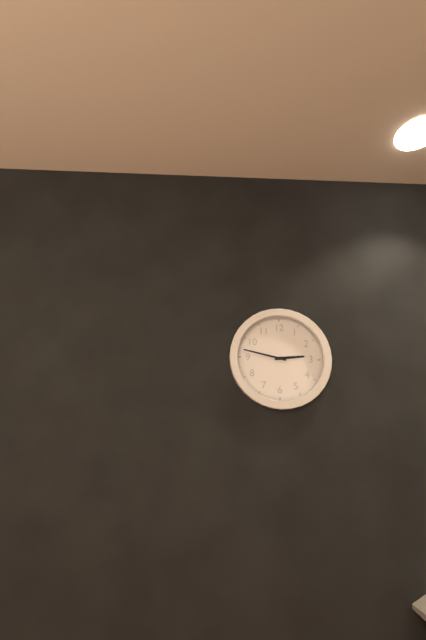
2h47
